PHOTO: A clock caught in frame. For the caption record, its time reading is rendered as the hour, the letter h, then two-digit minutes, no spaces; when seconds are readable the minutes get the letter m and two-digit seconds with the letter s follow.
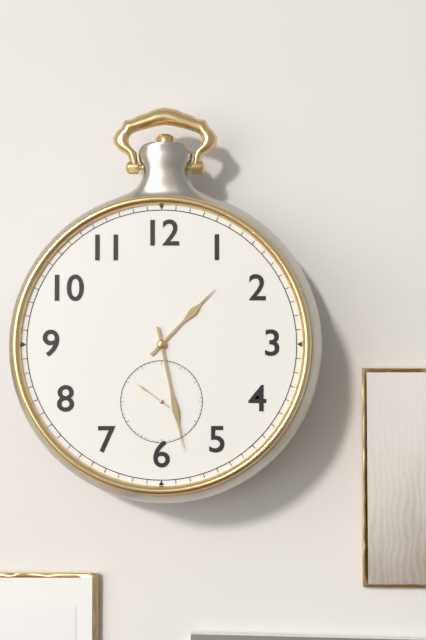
1h28
